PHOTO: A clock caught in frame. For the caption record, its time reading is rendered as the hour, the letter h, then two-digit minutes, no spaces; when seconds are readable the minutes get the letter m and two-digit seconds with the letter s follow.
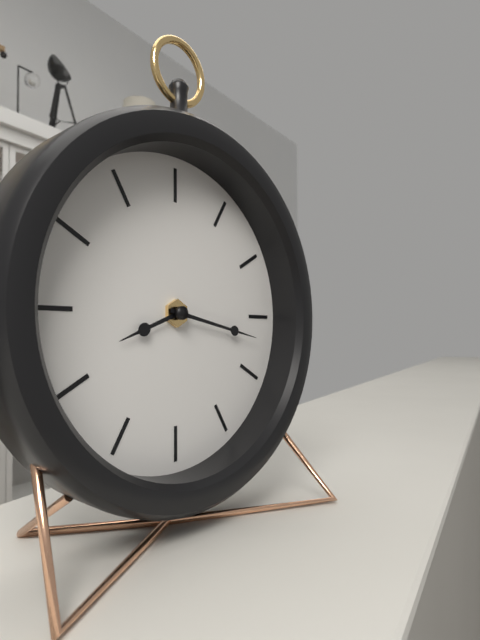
8h17
